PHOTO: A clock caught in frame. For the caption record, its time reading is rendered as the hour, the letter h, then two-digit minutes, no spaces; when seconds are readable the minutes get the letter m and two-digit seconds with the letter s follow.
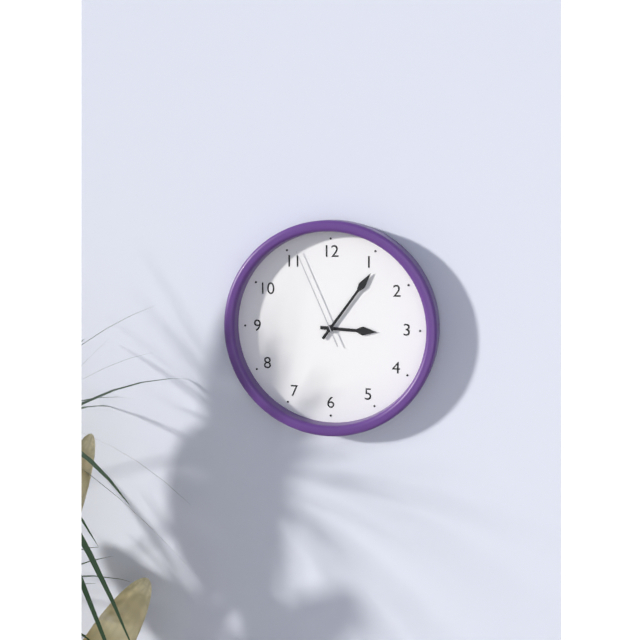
3h06m56s
